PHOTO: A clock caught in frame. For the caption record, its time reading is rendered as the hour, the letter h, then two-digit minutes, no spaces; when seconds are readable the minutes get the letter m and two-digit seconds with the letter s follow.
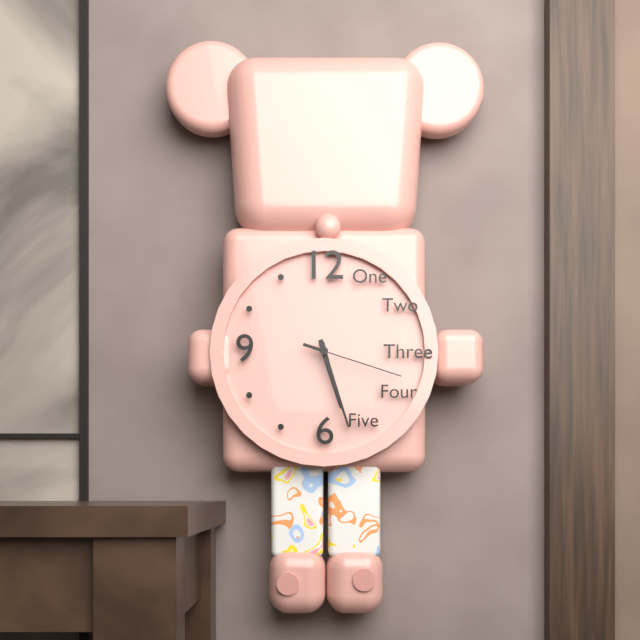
5h27m18s
